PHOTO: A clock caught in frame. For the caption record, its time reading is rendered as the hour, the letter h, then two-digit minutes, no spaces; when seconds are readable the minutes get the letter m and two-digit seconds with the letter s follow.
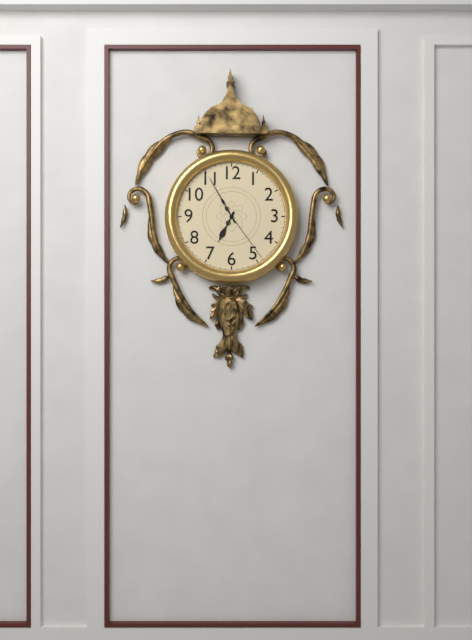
6h55m24s
